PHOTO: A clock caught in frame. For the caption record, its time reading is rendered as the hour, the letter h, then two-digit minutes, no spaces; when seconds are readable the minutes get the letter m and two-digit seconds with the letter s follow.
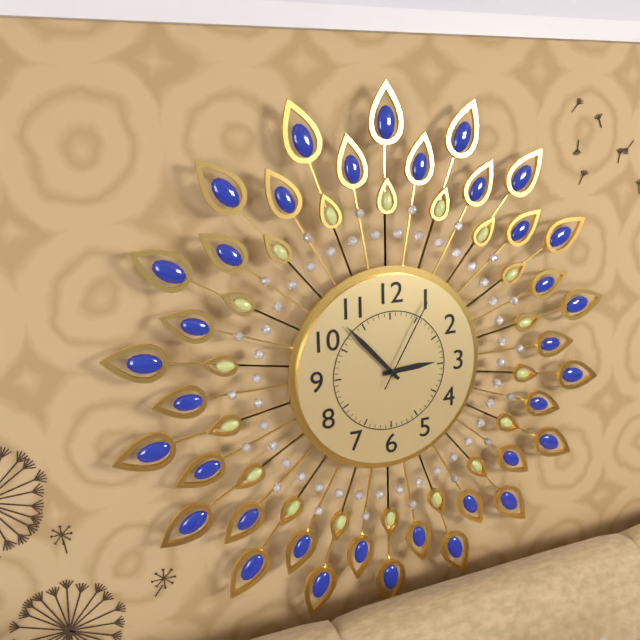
2h53m05s
